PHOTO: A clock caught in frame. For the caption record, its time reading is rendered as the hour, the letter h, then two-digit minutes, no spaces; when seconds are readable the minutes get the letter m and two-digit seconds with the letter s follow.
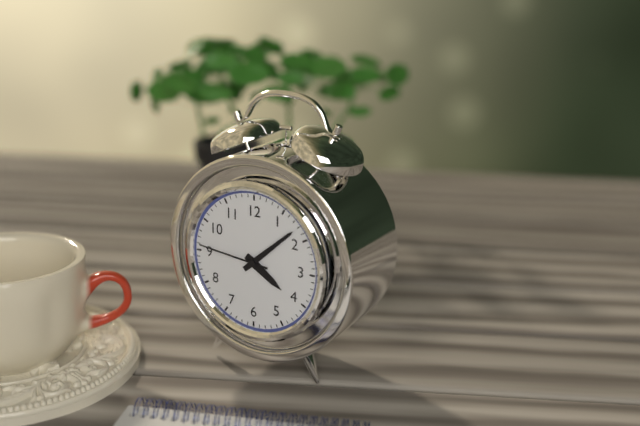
4h08m46s
